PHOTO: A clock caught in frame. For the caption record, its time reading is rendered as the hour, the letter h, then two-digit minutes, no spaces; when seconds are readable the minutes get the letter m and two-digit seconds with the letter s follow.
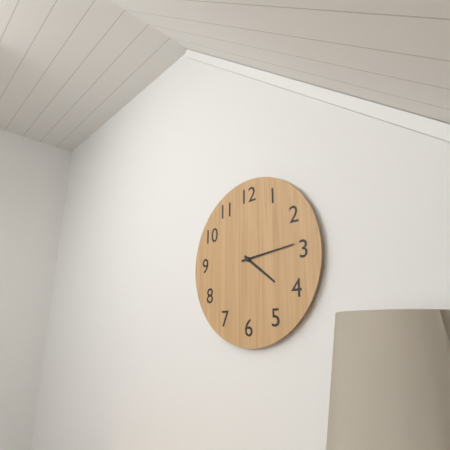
4h14
